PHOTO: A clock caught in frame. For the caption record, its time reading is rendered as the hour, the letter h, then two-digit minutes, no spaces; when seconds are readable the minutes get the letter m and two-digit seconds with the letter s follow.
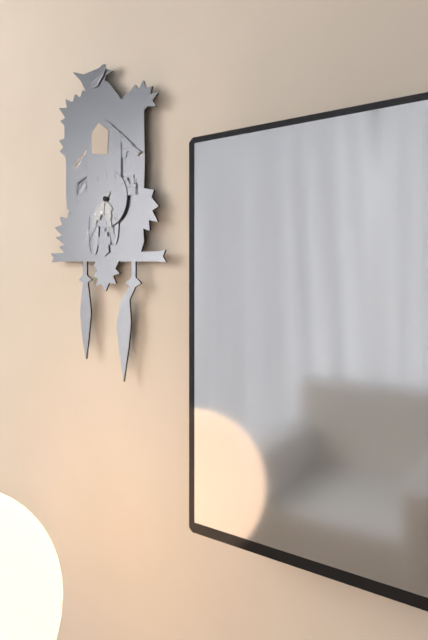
5h36
